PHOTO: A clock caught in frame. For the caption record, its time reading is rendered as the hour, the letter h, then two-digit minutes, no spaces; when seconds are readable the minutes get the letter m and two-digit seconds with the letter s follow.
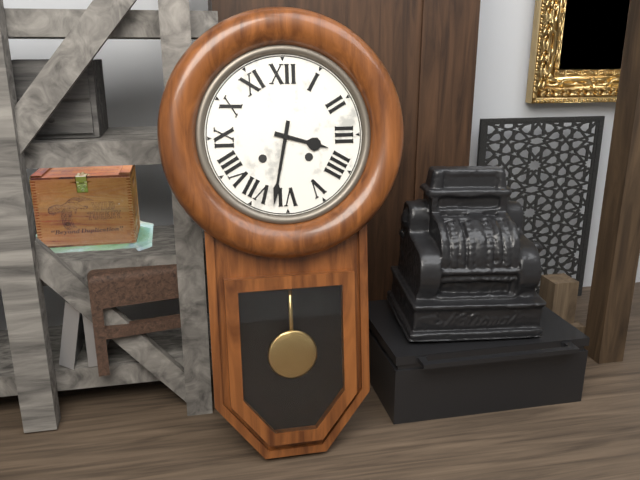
3h32
